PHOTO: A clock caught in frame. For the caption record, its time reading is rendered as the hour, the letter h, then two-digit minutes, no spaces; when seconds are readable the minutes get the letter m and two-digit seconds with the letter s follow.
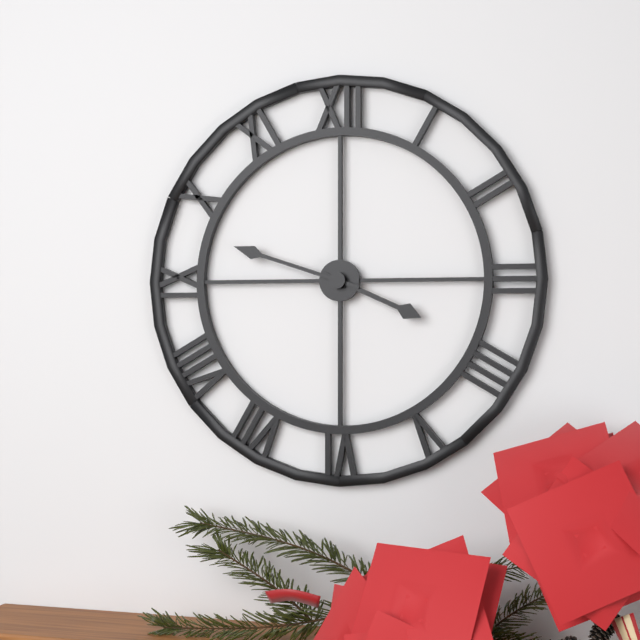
3h48
